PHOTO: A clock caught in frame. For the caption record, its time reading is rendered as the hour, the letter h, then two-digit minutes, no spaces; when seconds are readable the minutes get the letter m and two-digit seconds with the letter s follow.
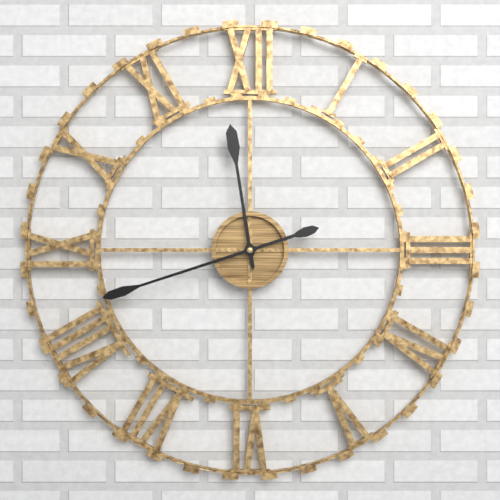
11h42
